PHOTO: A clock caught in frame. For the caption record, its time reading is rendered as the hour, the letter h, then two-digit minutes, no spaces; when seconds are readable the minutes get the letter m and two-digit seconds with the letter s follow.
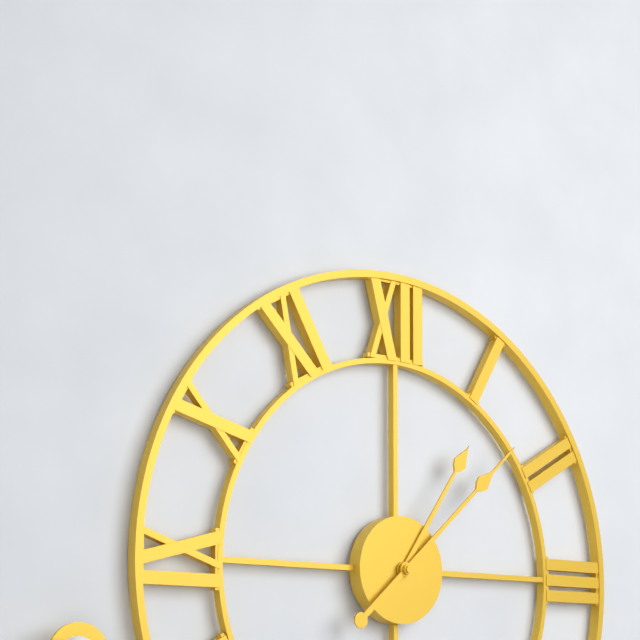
1h08
